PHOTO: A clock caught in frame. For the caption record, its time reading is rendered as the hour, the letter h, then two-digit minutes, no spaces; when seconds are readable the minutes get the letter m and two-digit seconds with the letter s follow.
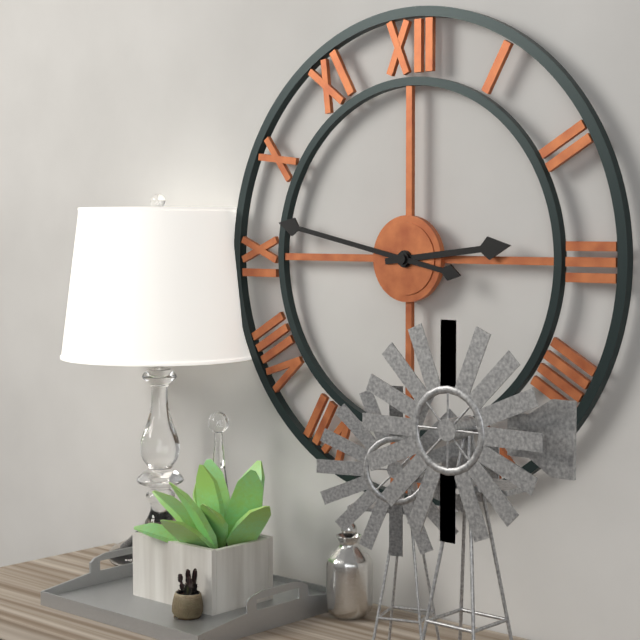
2h47
